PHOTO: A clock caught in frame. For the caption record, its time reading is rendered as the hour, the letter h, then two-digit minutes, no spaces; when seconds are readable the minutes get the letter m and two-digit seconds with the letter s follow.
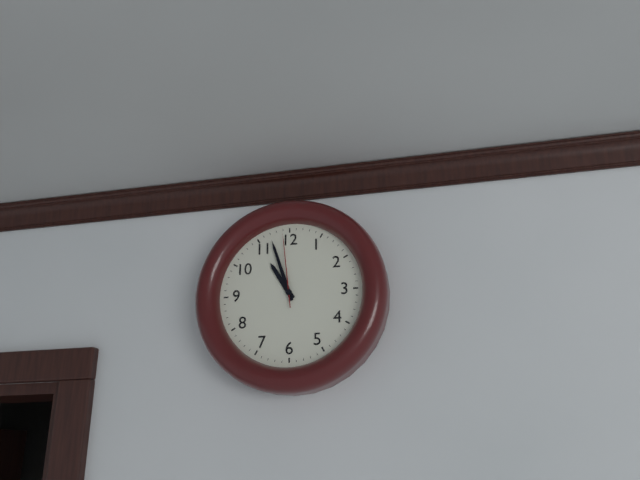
10h57m59s
